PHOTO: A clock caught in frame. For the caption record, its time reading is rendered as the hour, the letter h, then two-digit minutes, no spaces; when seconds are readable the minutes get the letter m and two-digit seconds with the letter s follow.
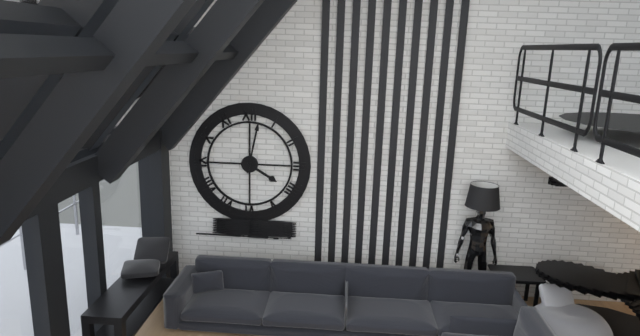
4h02
